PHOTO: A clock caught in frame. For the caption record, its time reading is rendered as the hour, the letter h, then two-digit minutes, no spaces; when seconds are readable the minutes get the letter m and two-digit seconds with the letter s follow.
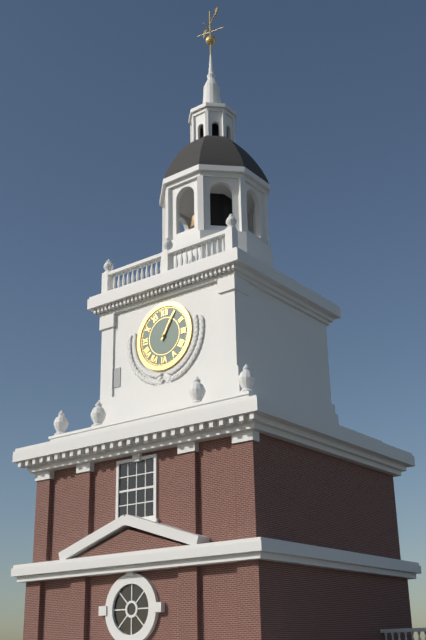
1h05
